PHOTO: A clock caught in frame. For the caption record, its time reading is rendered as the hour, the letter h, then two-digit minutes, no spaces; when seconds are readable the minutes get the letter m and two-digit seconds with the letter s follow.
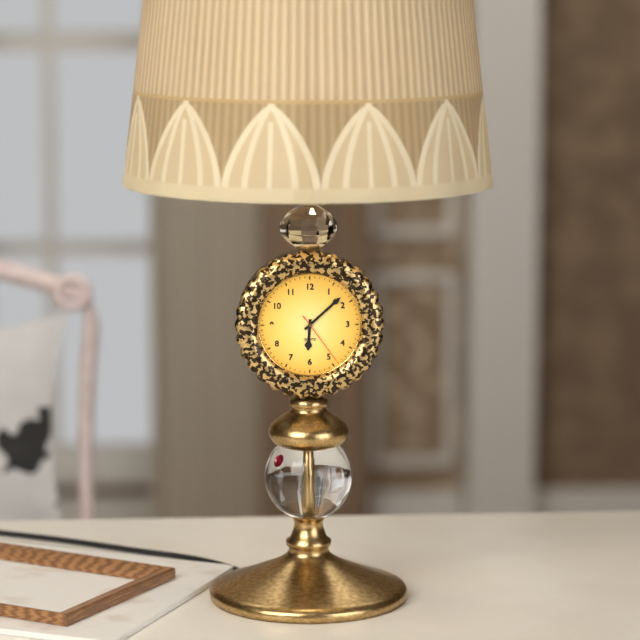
6h08m24s
